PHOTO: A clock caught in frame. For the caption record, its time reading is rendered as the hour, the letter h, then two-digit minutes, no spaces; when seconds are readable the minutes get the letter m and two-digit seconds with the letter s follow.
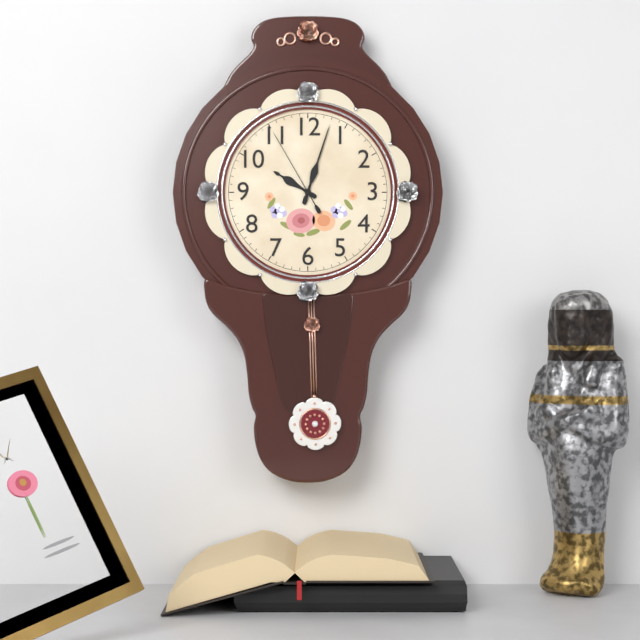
10h03m55s
